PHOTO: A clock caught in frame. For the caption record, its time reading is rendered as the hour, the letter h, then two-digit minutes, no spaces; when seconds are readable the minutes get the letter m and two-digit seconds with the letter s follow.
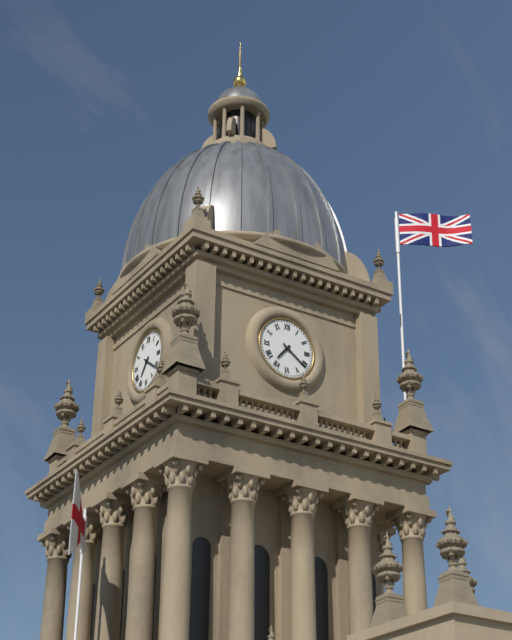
7h21
